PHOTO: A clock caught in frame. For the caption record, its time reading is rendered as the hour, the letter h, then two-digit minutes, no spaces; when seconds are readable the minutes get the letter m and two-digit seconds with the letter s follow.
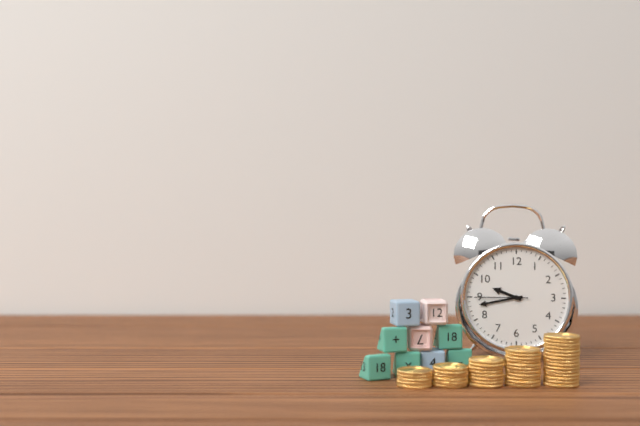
9h43m45s
